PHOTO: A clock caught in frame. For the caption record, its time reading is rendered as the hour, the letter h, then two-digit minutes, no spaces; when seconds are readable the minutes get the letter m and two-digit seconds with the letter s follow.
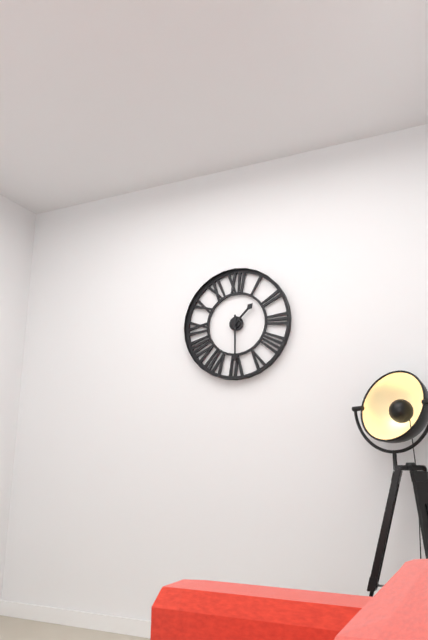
1h30
